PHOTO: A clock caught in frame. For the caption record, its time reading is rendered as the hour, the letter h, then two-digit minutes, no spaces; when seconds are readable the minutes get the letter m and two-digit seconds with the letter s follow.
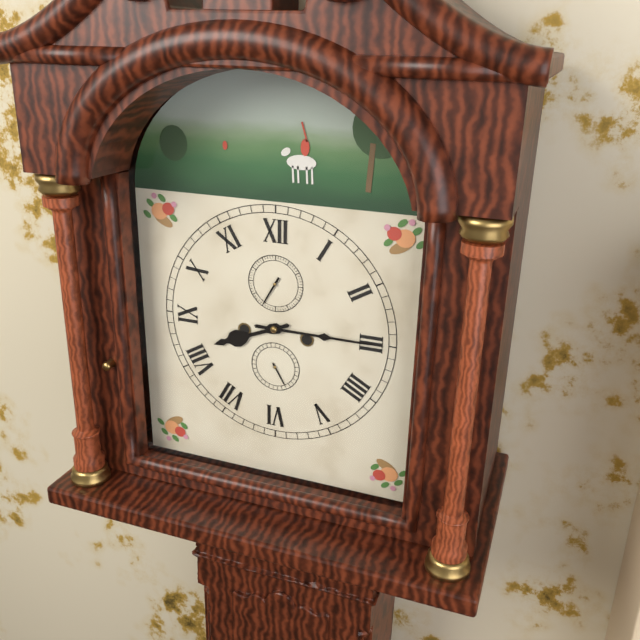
8h15
